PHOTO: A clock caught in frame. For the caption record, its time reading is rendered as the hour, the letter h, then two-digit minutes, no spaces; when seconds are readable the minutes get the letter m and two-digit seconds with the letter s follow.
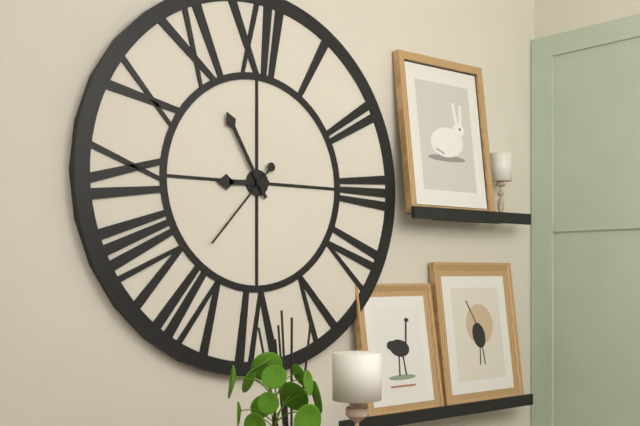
8h55m37s
